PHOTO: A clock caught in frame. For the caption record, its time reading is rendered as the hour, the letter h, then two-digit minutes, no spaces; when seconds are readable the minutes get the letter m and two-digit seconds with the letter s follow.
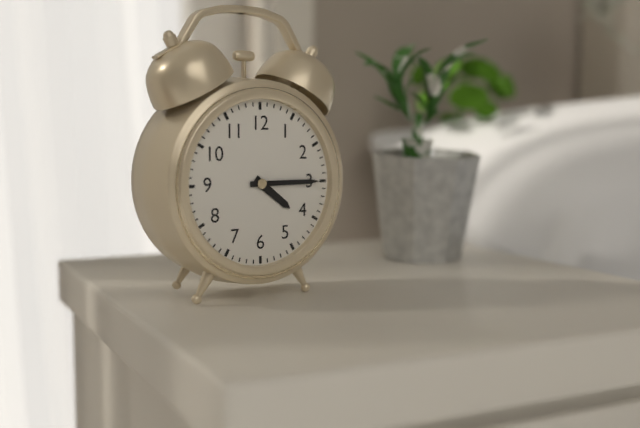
4h15
